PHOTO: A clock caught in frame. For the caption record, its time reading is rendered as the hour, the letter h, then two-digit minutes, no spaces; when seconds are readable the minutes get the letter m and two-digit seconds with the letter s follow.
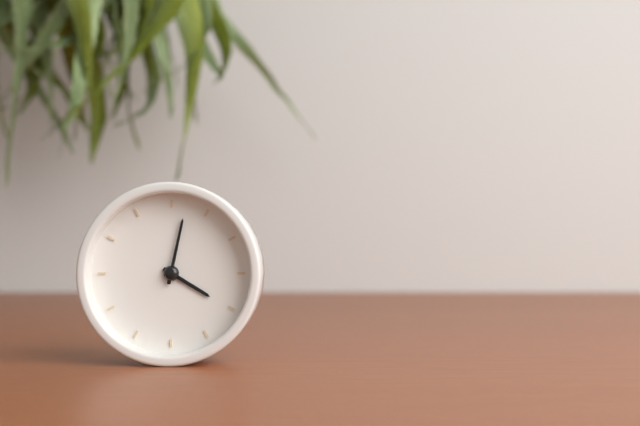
4h02
